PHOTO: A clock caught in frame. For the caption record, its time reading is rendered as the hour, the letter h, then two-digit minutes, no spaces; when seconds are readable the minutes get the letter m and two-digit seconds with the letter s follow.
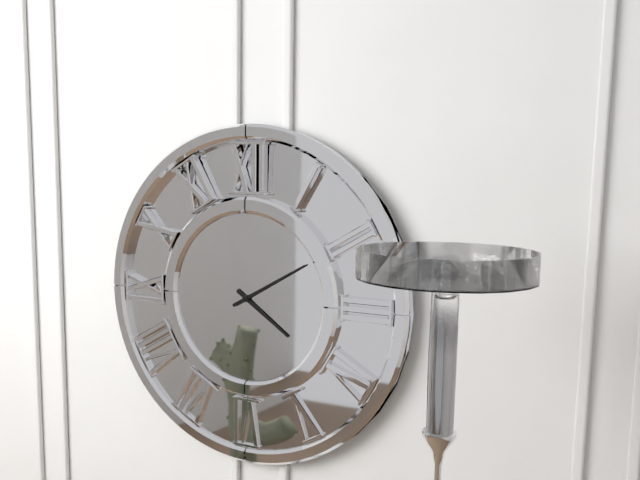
4h10
